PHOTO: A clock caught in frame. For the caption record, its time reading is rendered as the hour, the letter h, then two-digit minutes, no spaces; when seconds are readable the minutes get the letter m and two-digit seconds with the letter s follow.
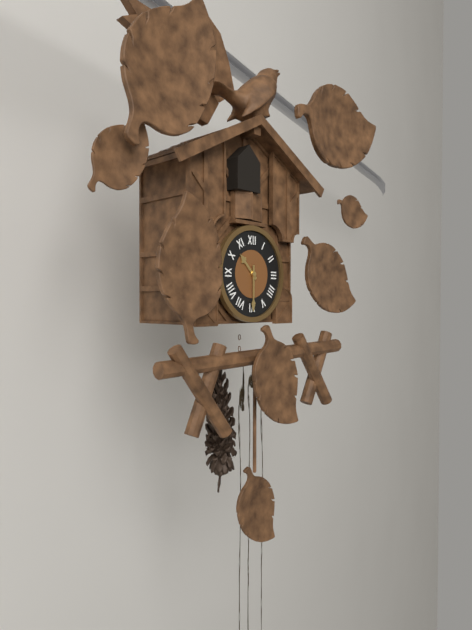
10h30
